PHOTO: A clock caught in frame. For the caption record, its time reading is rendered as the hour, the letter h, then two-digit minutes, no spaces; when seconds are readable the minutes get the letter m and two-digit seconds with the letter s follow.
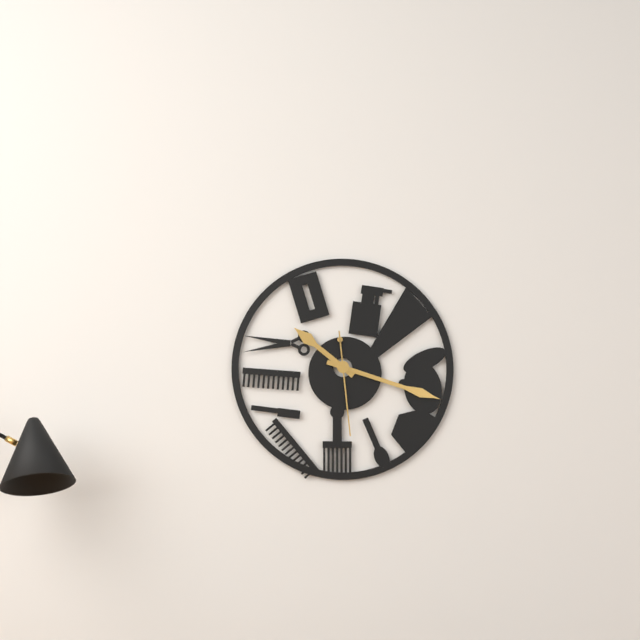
10h18m29s
